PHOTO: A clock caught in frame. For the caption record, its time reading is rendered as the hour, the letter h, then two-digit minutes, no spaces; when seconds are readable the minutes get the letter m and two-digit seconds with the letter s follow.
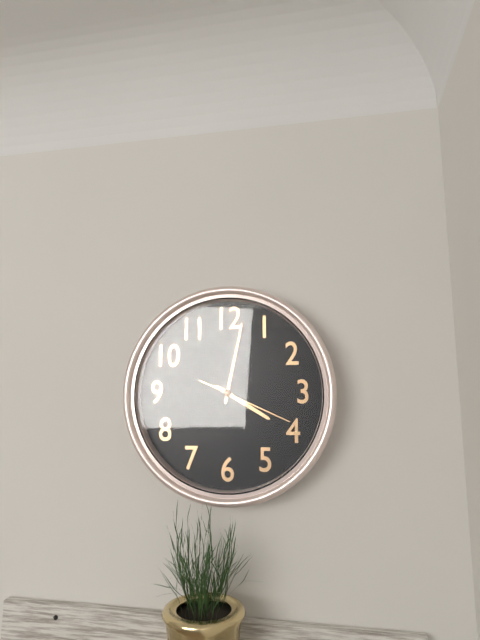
4h02m19s
